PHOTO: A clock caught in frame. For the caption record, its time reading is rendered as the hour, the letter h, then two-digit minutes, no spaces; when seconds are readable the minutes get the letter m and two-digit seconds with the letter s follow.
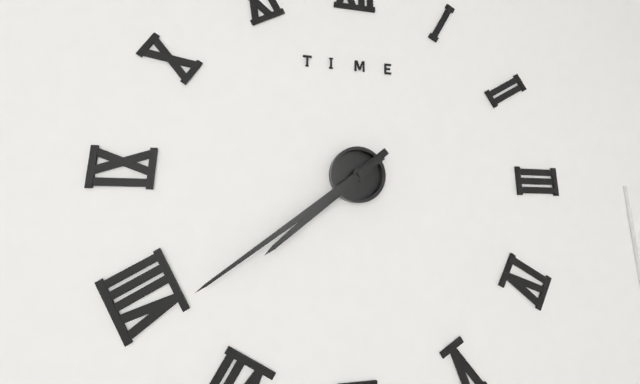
7h39
